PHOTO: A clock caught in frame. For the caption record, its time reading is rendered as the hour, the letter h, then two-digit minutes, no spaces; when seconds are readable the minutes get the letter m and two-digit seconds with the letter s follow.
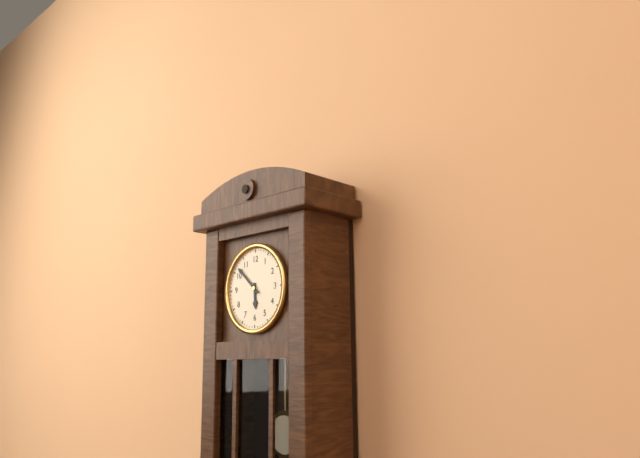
5h52
